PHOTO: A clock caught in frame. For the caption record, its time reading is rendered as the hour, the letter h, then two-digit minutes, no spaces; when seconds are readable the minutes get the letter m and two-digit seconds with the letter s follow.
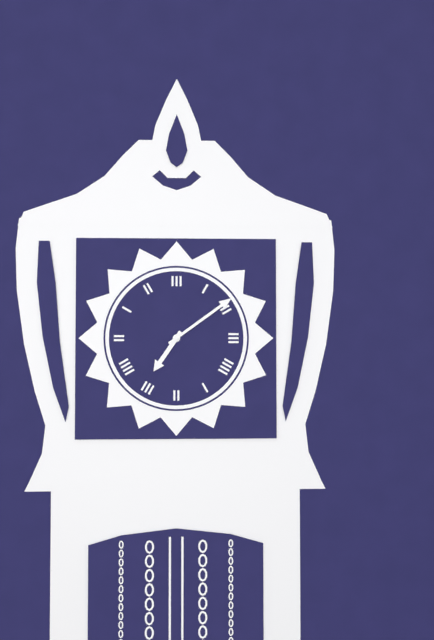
7h09
